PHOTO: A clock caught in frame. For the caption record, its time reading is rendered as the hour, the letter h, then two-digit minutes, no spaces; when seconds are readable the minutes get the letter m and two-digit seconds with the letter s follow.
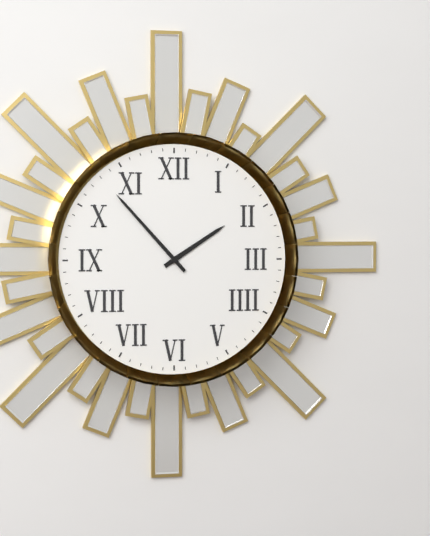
1h53
